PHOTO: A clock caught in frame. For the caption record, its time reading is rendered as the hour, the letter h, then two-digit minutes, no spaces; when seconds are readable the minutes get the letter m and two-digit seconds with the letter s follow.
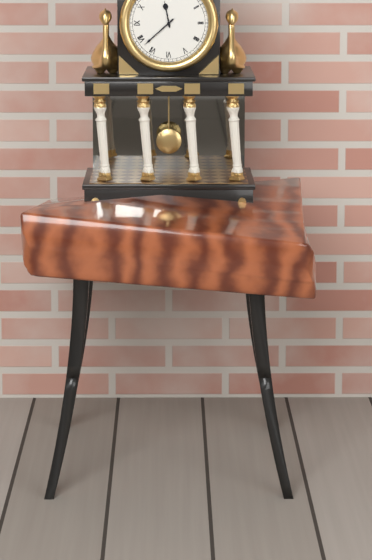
11h38
